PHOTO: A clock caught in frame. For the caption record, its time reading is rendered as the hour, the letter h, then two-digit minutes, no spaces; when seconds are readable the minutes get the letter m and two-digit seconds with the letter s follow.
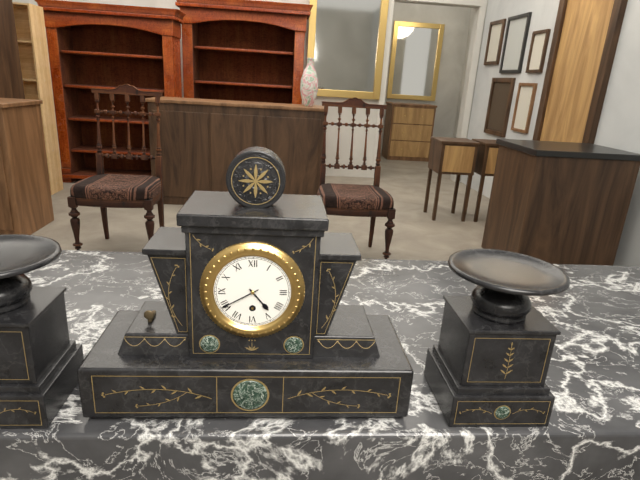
4h40
